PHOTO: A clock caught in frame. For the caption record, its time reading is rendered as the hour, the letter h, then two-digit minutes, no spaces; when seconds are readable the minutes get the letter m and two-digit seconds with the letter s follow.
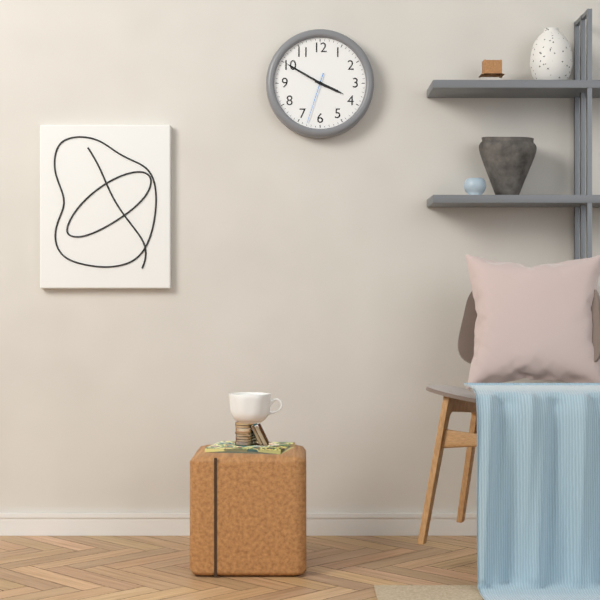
3h50m33s
